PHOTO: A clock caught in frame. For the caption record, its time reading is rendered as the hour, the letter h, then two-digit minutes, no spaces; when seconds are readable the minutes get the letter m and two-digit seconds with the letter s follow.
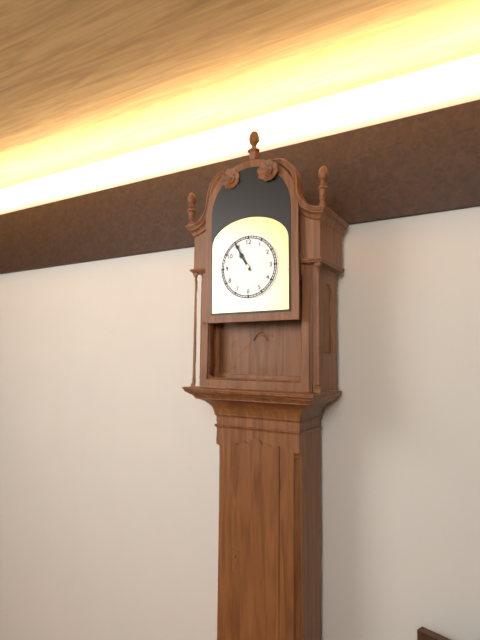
10h55
